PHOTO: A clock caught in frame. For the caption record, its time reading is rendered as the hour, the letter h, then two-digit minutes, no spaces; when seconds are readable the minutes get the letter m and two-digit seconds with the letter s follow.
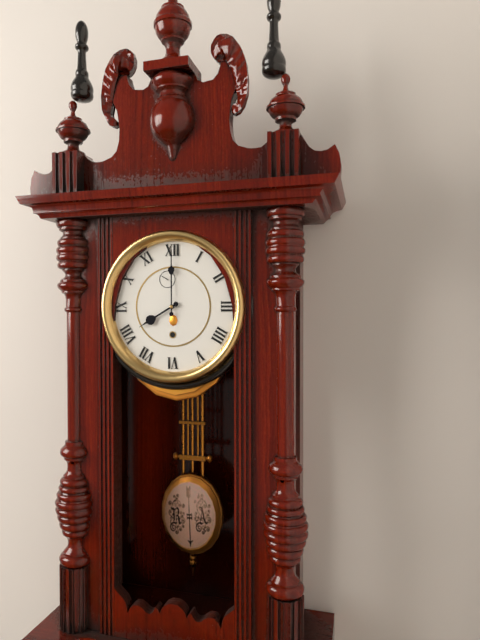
8h00
